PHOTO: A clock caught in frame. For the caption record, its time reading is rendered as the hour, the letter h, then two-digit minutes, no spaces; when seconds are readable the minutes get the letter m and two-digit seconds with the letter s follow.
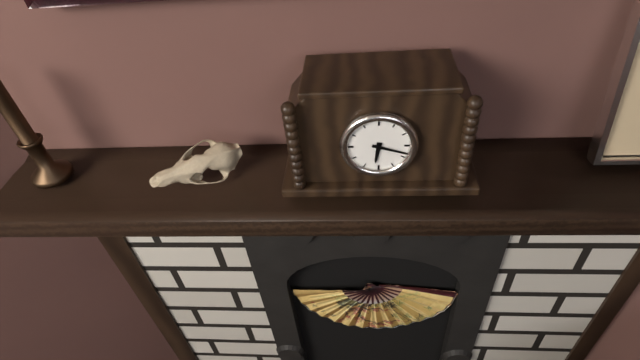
6h18
